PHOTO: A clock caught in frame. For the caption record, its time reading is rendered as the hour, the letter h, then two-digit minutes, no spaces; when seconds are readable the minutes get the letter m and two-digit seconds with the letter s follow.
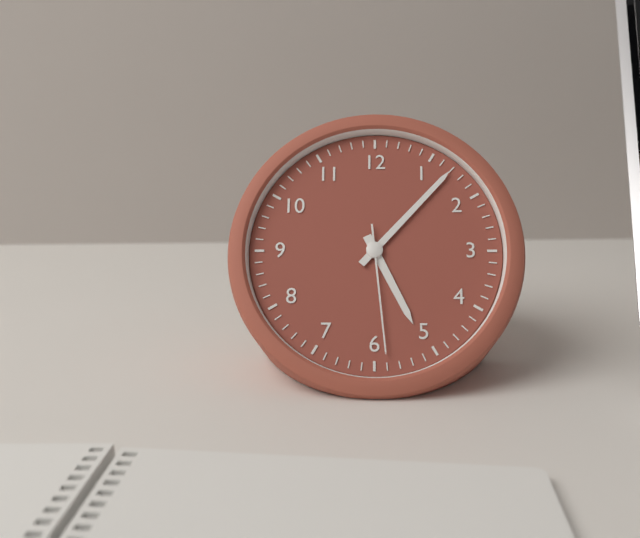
5h07m29s
